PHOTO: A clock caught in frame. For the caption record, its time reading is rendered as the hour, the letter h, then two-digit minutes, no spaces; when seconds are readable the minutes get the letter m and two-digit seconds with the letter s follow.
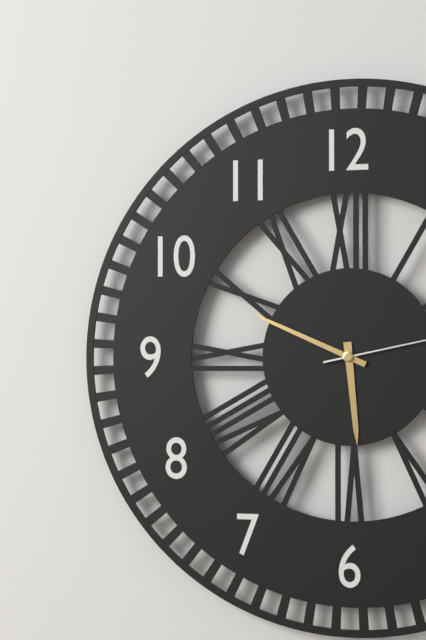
5h49
